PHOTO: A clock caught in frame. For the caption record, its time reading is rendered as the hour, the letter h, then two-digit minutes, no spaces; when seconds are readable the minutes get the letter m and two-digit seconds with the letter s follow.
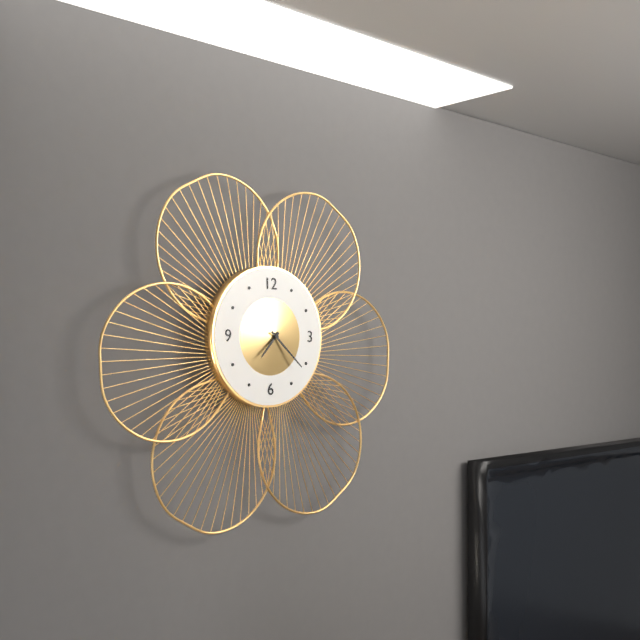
7h22
